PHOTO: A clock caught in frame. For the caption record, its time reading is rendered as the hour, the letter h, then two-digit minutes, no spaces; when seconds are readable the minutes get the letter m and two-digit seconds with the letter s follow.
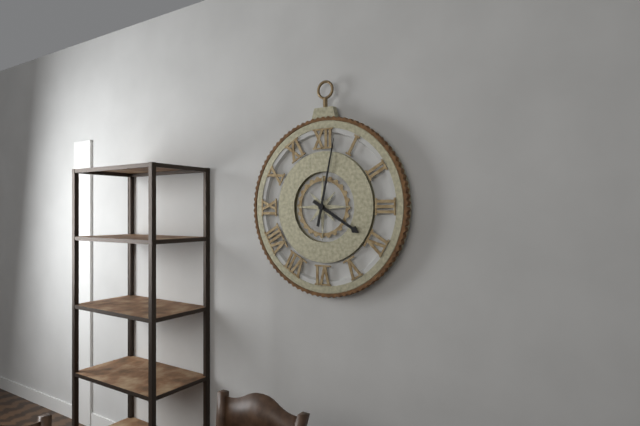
4h02
